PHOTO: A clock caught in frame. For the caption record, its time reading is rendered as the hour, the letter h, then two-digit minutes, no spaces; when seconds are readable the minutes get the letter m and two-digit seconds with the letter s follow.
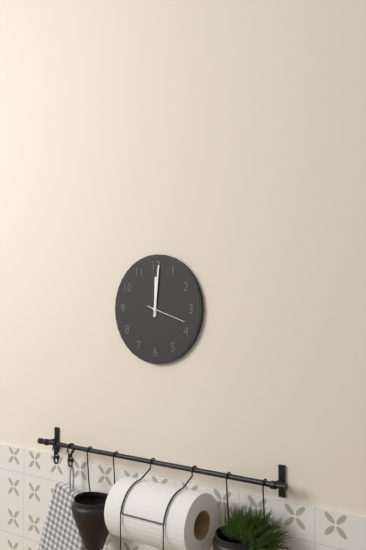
12h01
